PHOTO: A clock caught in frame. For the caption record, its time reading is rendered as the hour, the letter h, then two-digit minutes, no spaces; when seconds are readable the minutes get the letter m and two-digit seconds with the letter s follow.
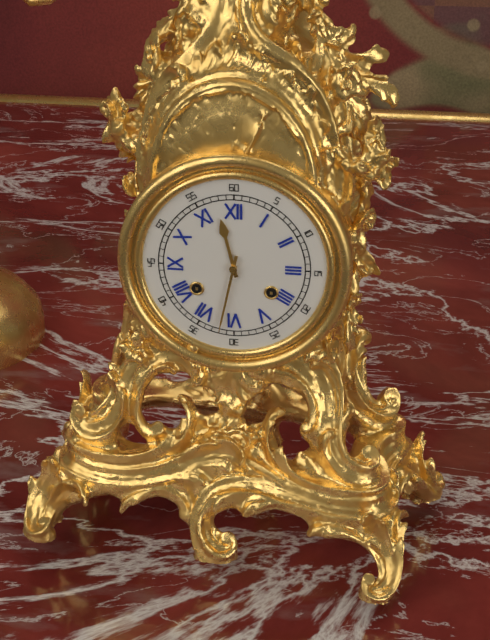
11h32
